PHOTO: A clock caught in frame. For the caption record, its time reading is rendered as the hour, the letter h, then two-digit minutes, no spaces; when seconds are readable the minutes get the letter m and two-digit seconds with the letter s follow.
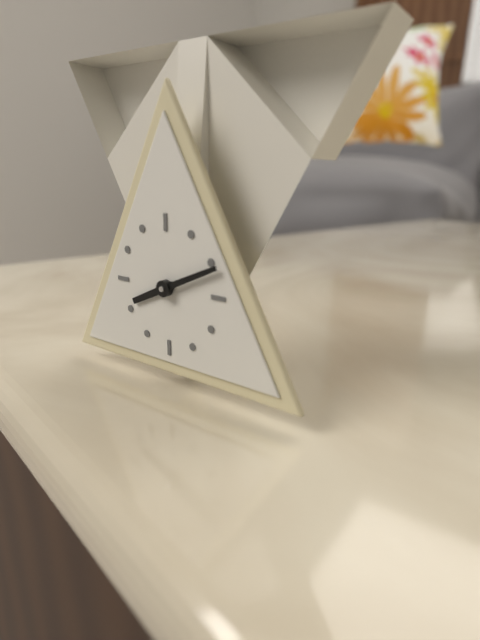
8h11
